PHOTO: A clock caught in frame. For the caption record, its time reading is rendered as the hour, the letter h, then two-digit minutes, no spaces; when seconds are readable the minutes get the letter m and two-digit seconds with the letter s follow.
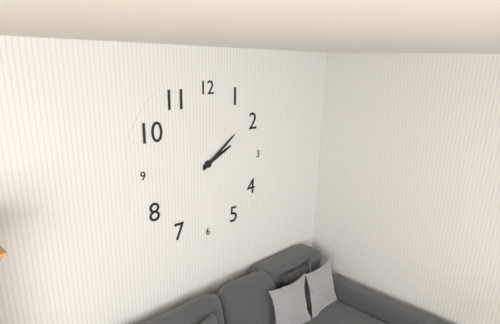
2h09
